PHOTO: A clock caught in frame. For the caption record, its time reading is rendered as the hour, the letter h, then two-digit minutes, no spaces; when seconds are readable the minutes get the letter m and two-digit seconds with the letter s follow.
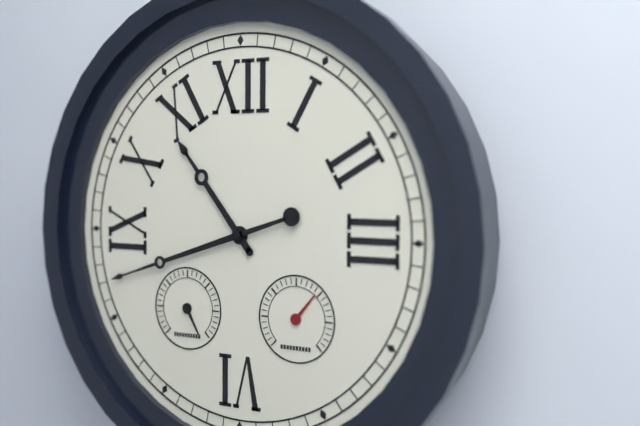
10h42
